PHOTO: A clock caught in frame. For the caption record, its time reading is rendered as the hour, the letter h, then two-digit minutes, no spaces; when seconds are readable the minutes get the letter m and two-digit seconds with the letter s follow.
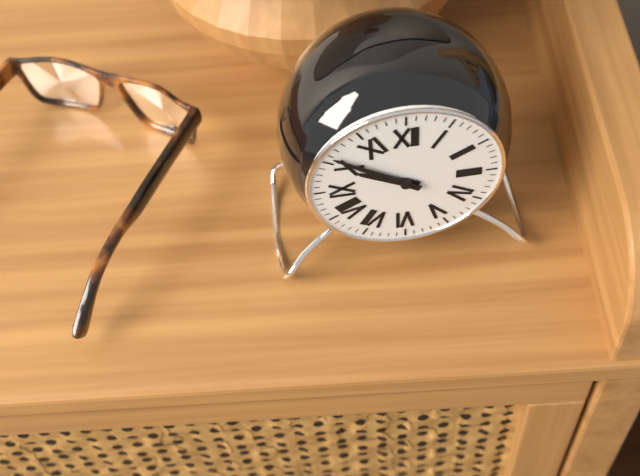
9h51
